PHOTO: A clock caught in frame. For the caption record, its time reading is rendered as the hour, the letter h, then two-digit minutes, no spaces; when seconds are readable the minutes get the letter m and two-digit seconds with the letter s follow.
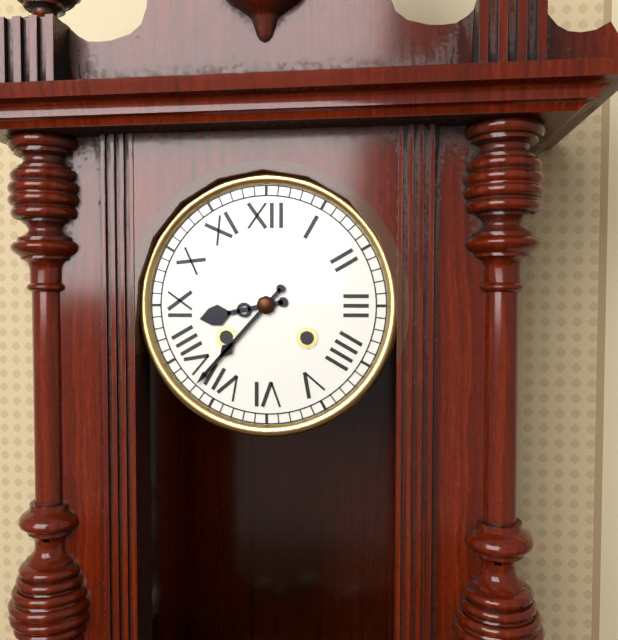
8h37
